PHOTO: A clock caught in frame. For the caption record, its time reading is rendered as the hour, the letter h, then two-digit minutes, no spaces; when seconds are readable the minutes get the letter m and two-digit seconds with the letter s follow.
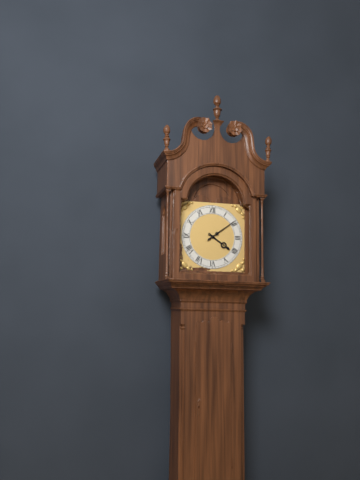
4h09
